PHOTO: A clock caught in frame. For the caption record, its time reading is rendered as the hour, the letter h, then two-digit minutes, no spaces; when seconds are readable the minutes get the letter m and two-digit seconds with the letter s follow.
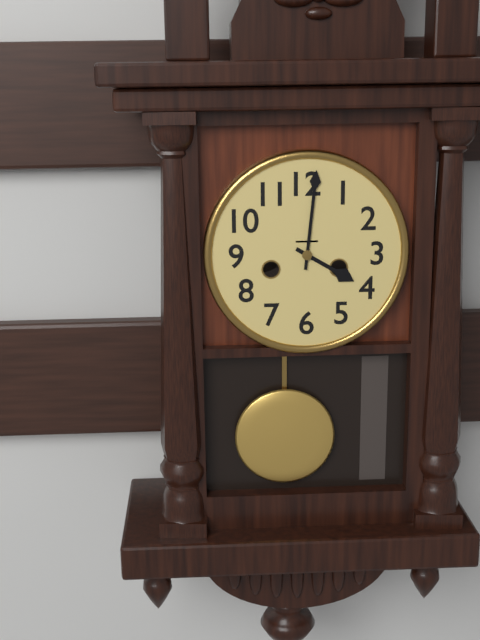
4h01
